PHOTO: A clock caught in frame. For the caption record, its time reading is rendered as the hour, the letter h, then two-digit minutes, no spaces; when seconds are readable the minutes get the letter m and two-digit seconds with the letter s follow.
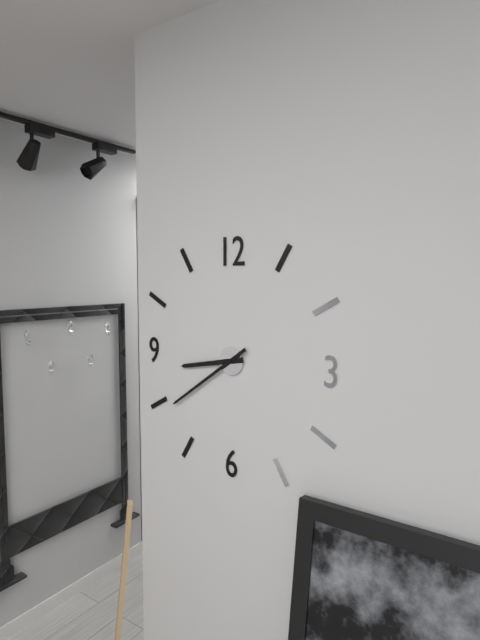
8h39
